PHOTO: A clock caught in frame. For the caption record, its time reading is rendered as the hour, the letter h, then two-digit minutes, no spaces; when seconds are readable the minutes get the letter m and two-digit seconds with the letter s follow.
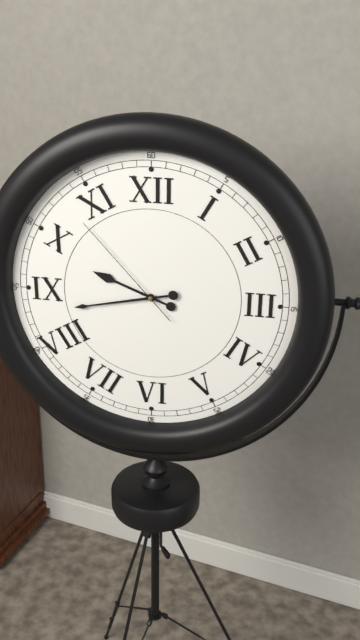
9h43m53s
